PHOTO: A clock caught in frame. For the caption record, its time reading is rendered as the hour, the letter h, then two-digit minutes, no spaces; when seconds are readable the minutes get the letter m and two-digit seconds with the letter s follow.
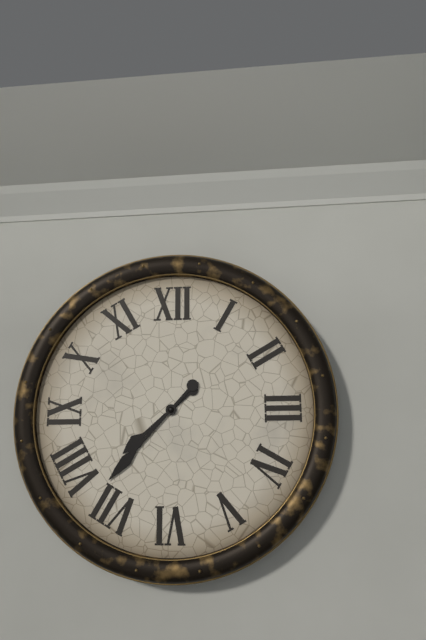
7h37
